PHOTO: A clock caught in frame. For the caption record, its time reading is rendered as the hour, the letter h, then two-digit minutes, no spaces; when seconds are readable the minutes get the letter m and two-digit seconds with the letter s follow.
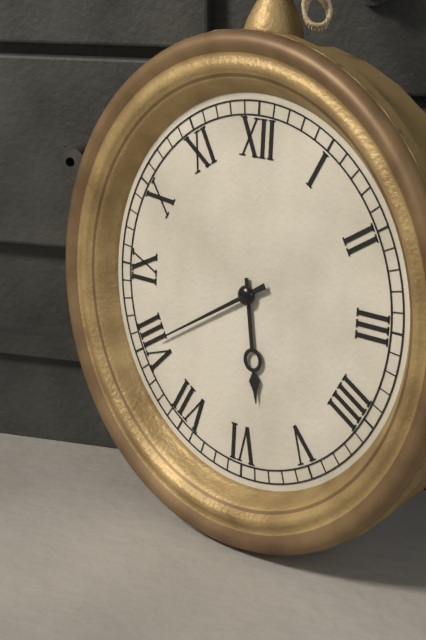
5h40
